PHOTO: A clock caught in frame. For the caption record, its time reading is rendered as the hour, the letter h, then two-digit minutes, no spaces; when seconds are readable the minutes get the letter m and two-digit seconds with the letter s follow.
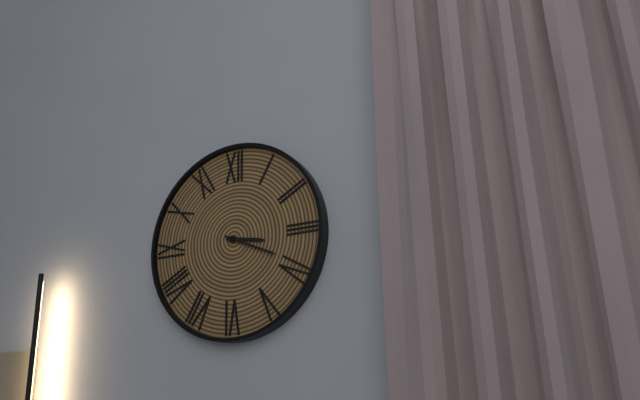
3h19
